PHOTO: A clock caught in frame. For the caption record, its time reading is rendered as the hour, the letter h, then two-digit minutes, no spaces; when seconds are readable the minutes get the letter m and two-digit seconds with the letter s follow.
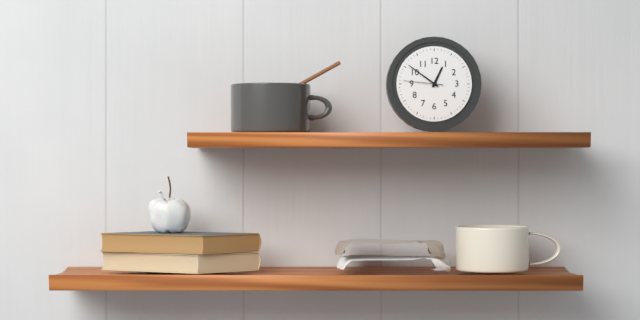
12h51
